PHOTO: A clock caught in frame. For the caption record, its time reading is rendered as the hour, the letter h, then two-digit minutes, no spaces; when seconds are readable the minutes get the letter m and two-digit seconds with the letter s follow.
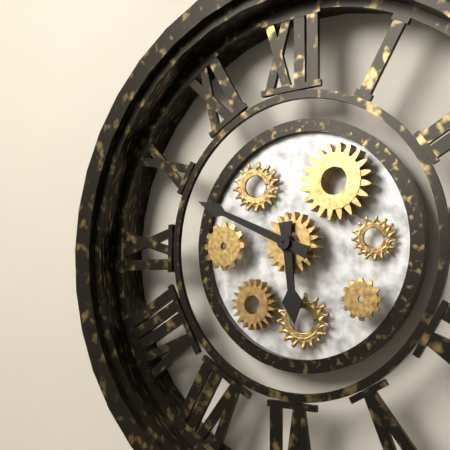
5h49
